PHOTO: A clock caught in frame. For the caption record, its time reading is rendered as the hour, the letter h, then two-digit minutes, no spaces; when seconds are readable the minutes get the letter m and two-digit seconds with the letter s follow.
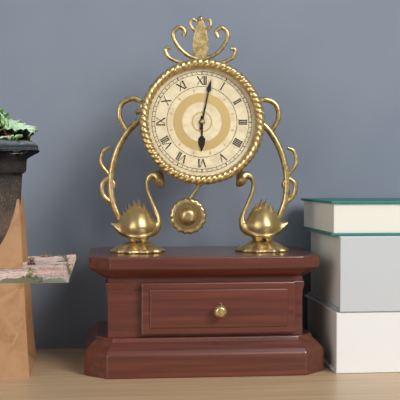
6h02
